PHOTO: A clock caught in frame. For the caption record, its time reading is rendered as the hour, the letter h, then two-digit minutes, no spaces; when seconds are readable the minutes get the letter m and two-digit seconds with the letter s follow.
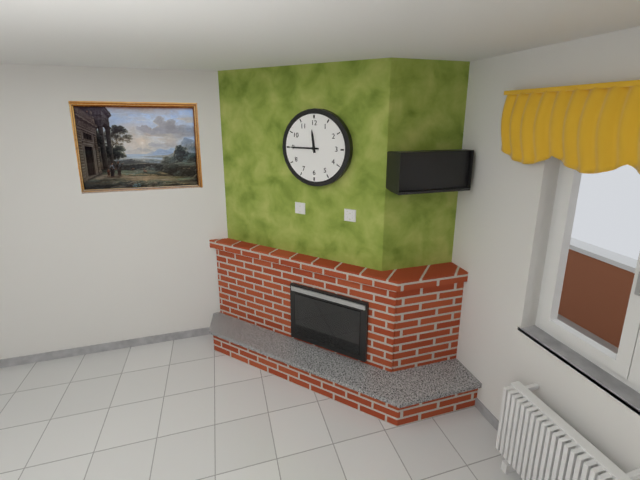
11h45
